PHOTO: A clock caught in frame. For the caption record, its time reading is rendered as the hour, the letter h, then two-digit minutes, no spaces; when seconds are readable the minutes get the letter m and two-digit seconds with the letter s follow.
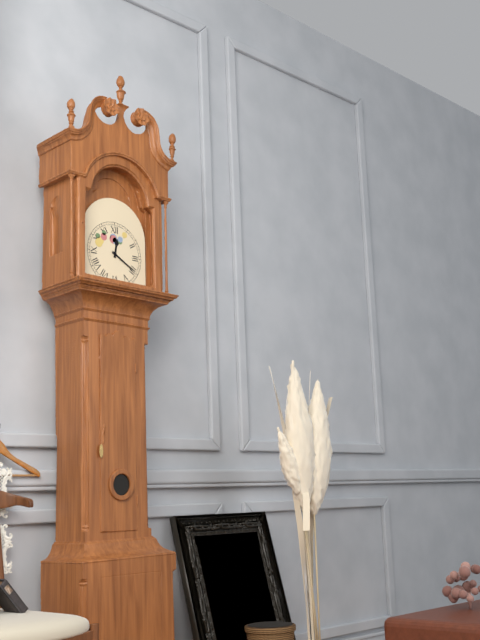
12h20
